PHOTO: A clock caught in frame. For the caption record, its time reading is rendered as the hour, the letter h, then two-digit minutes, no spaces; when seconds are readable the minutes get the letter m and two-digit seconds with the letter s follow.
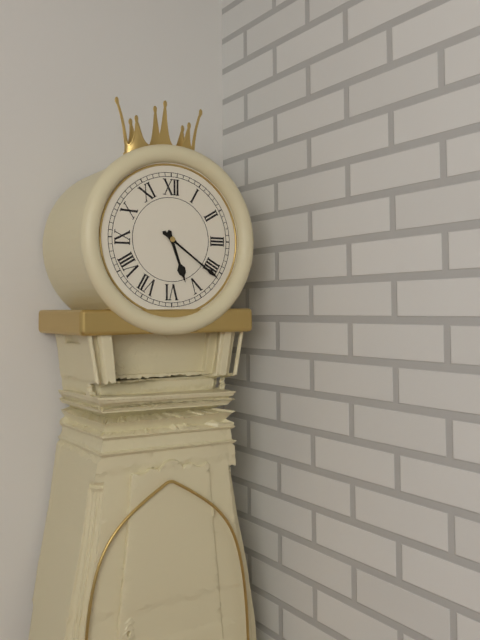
5h21
